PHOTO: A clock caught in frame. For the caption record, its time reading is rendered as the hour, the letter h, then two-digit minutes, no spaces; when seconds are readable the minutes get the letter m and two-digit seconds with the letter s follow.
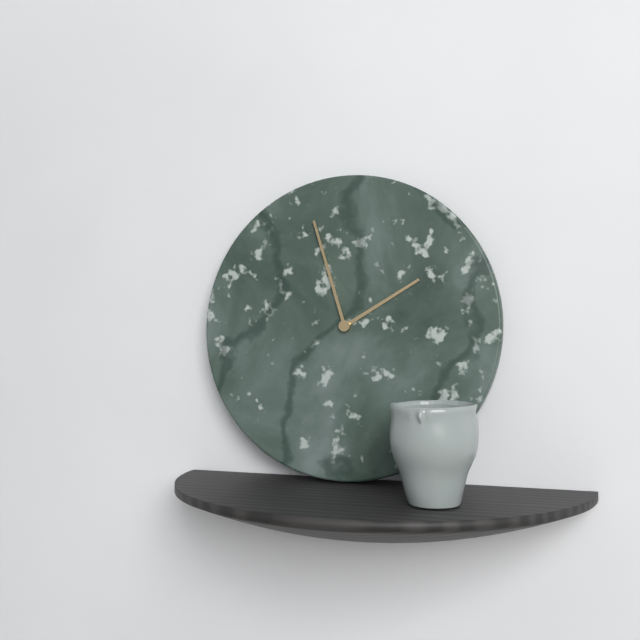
1h57
